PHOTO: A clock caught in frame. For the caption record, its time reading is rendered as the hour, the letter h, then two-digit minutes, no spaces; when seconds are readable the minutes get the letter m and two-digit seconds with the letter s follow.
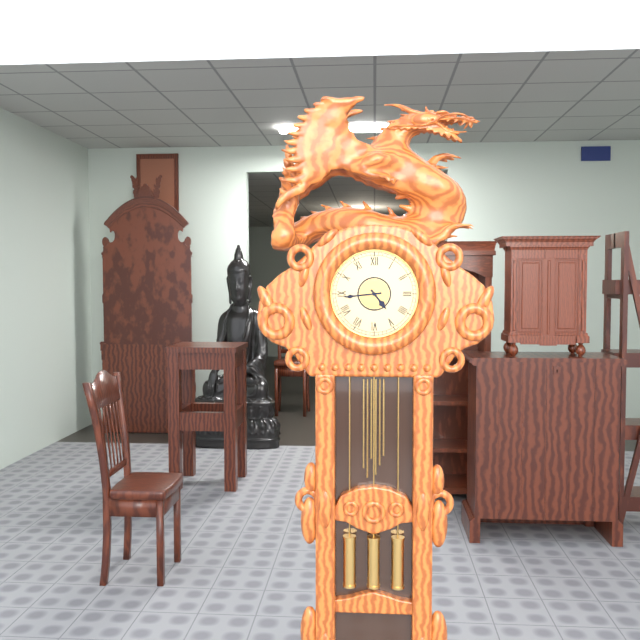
4h44
